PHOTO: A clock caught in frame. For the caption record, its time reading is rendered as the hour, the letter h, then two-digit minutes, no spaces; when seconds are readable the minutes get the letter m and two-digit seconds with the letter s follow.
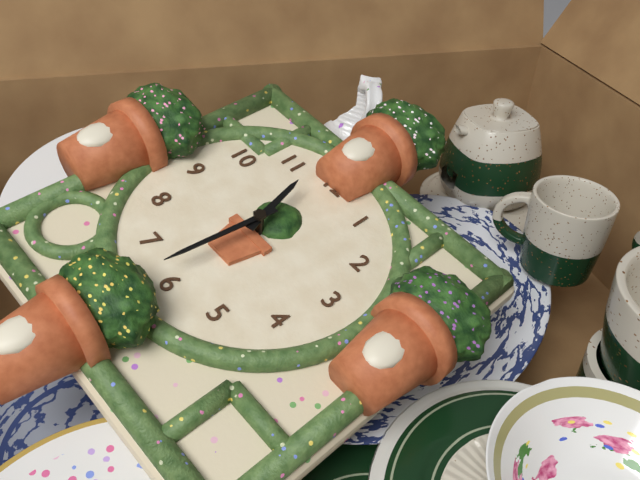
11h31
